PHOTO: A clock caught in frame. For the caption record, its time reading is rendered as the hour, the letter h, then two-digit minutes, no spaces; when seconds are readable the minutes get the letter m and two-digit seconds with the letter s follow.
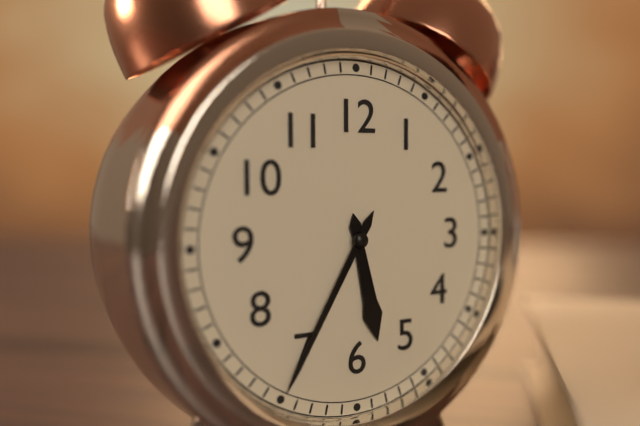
5h35
